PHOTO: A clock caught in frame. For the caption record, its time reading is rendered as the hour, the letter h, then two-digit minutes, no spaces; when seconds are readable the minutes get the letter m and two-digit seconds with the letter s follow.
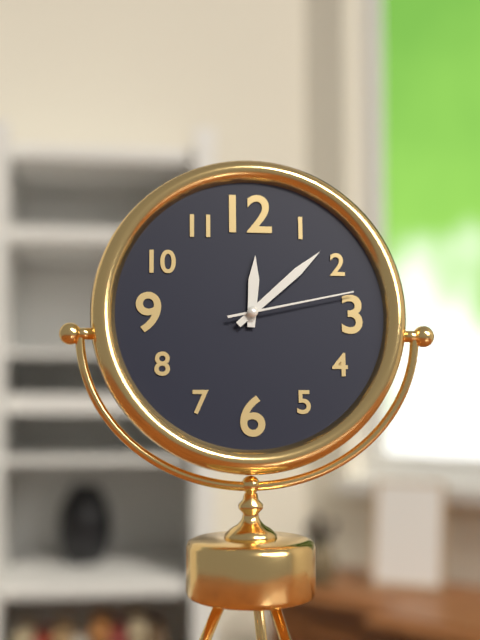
12h08m13s
